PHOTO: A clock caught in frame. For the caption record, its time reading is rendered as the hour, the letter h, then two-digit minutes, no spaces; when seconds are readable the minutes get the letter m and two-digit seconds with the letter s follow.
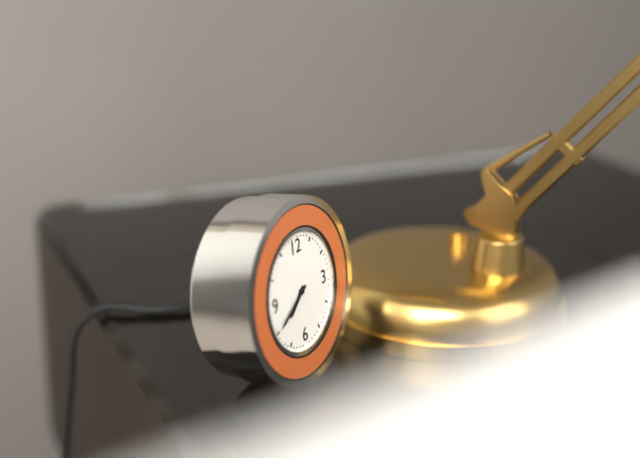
7h40
